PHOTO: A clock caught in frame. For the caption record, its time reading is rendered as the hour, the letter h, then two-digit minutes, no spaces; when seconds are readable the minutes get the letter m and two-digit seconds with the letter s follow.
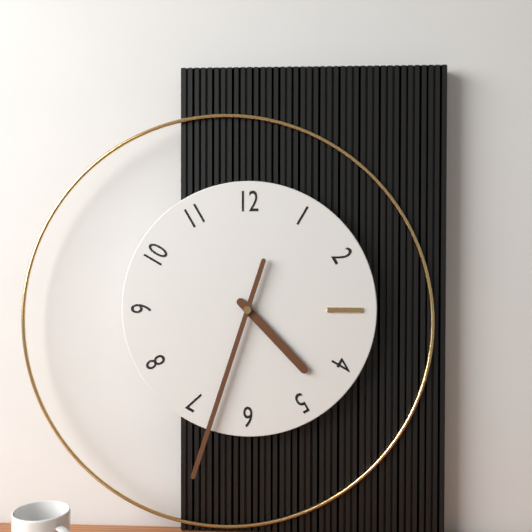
4h33
